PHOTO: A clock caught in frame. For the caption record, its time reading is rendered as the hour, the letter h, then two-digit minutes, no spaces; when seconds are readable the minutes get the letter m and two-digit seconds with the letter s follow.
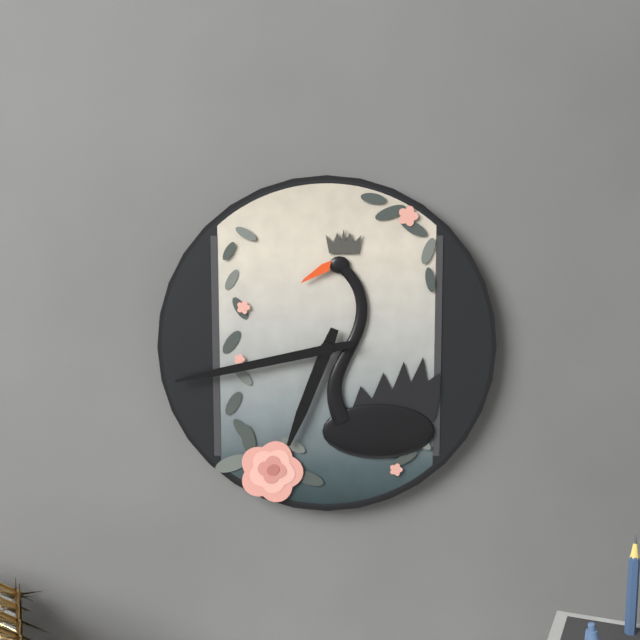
6h43
